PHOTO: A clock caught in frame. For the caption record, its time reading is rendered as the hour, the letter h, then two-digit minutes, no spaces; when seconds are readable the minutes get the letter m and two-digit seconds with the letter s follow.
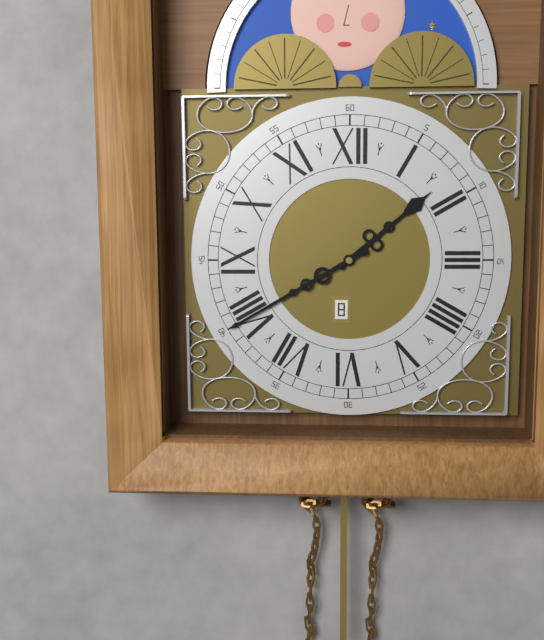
1h40
